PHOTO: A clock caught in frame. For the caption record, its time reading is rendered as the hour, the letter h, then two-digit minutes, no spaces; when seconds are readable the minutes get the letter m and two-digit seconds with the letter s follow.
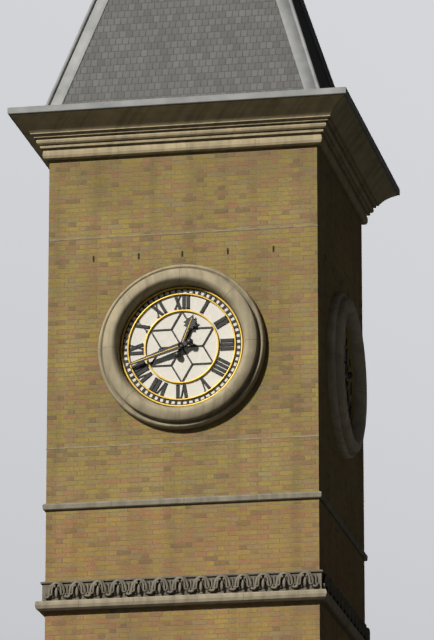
12h42
